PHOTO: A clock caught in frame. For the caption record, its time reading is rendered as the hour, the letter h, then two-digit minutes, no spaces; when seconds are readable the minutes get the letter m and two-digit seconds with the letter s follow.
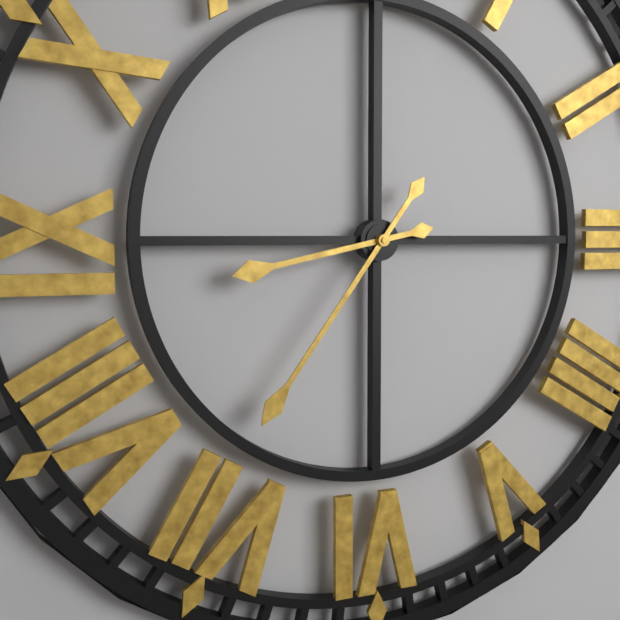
8h36
